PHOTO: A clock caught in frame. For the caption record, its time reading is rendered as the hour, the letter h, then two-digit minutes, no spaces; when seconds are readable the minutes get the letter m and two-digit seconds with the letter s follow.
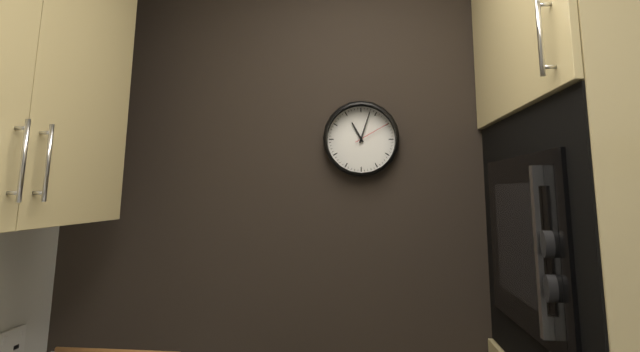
11h03
